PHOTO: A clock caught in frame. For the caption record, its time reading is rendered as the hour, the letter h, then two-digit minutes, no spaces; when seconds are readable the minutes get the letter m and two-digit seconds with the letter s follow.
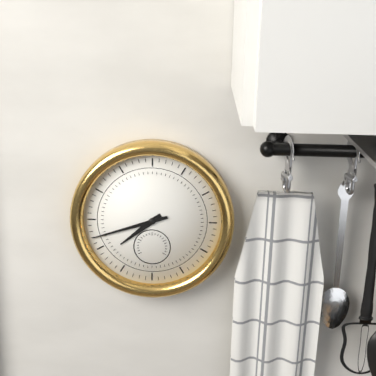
7h42
